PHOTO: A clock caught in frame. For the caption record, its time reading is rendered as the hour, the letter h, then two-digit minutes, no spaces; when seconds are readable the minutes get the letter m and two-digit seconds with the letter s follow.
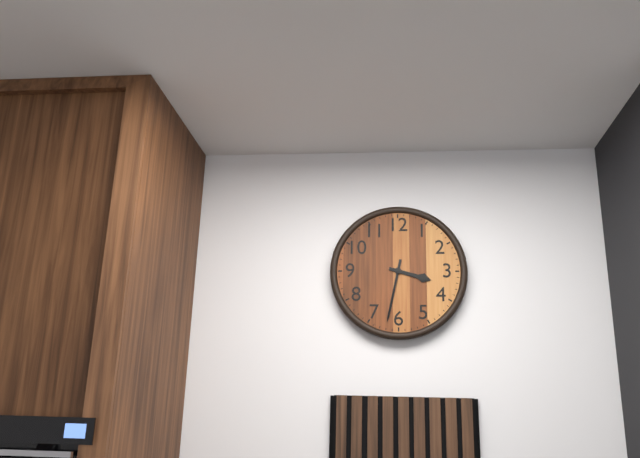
3h32
